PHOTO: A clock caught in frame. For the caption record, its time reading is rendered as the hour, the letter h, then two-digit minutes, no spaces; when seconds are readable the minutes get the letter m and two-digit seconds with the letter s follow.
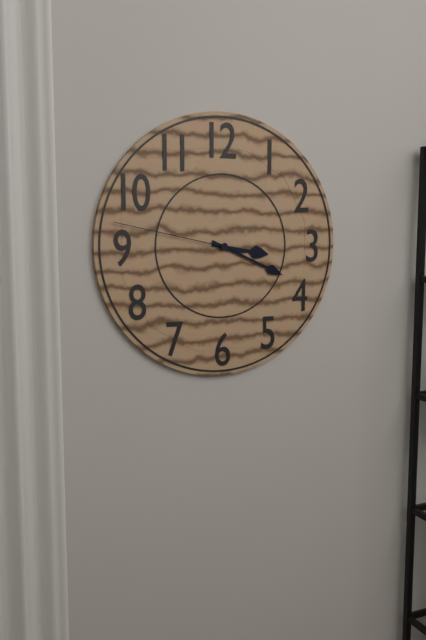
3h19m47s
